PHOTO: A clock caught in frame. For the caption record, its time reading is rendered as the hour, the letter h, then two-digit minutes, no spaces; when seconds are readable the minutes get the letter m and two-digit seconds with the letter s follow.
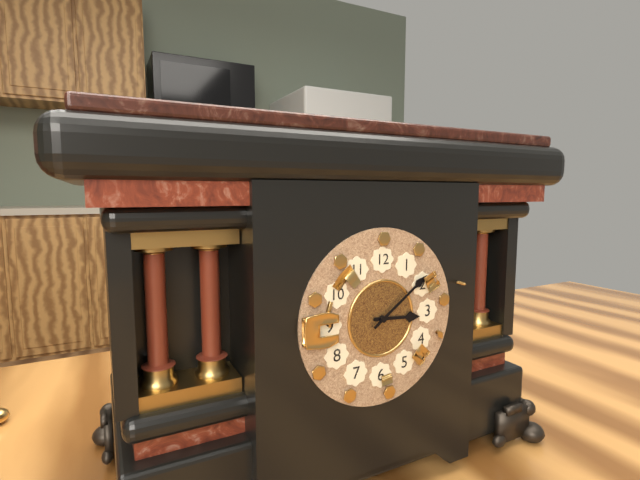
3h09
